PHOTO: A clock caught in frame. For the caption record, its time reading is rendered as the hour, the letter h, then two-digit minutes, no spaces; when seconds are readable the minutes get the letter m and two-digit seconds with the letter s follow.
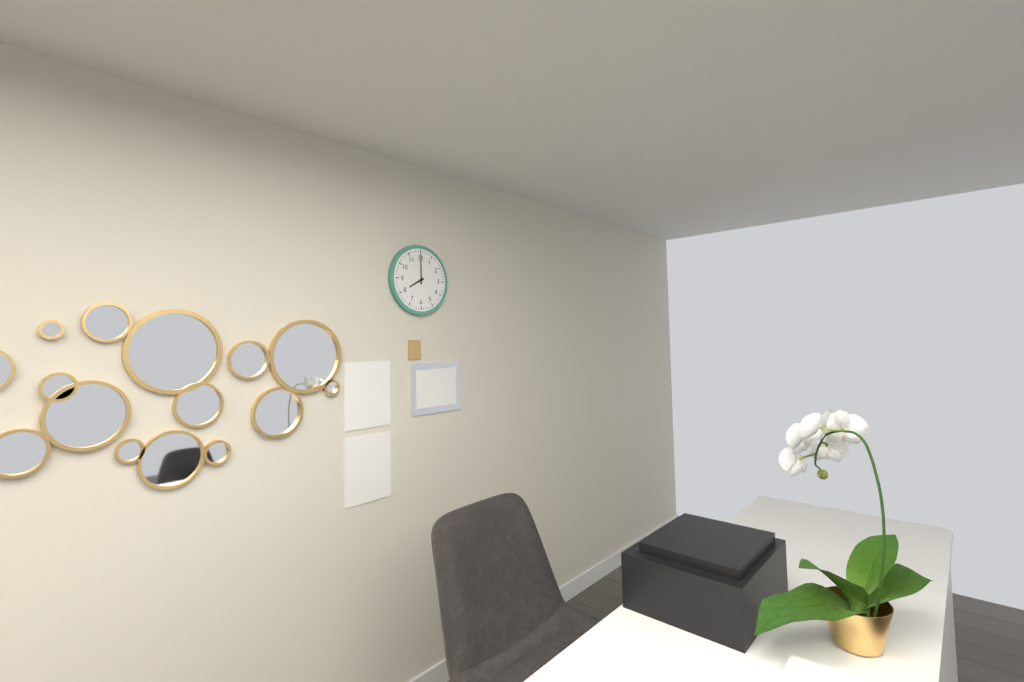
8h00
